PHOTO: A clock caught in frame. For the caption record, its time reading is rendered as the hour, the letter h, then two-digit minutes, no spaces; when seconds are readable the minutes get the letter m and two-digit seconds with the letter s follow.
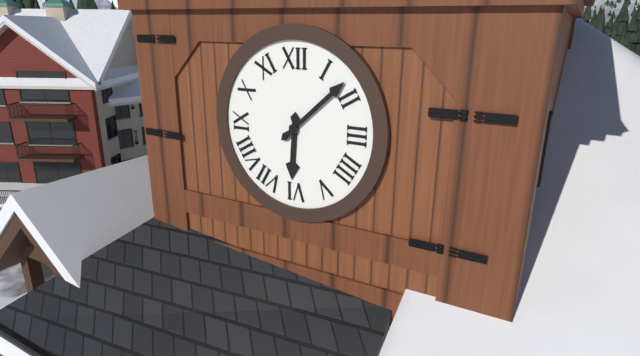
6h08
